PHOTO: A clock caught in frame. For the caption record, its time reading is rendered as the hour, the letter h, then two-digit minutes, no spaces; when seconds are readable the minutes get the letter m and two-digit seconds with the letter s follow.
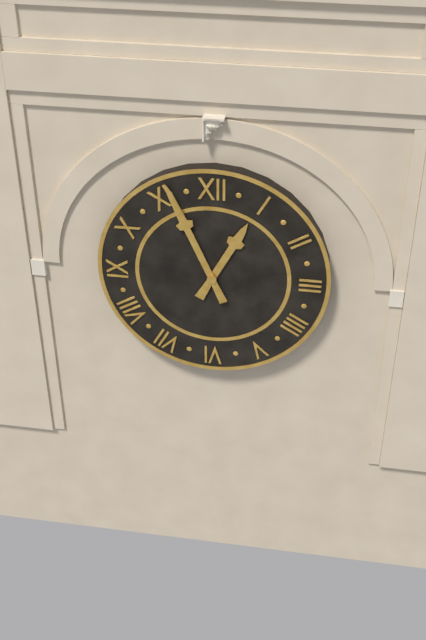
12h56
